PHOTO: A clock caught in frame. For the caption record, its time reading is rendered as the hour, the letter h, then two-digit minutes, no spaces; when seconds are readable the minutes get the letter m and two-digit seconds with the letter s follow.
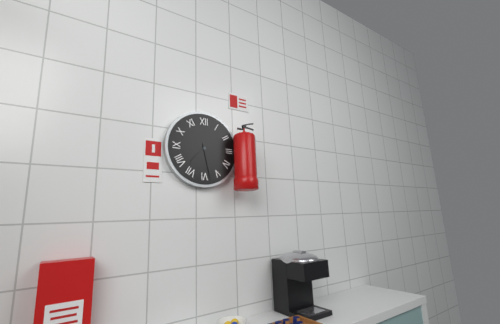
7h28
